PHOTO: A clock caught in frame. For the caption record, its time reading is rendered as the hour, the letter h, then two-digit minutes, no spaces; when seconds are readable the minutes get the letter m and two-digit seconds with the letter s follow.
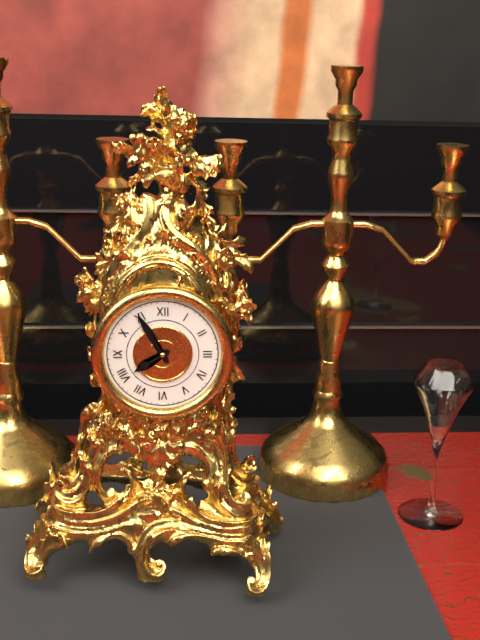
7h55
